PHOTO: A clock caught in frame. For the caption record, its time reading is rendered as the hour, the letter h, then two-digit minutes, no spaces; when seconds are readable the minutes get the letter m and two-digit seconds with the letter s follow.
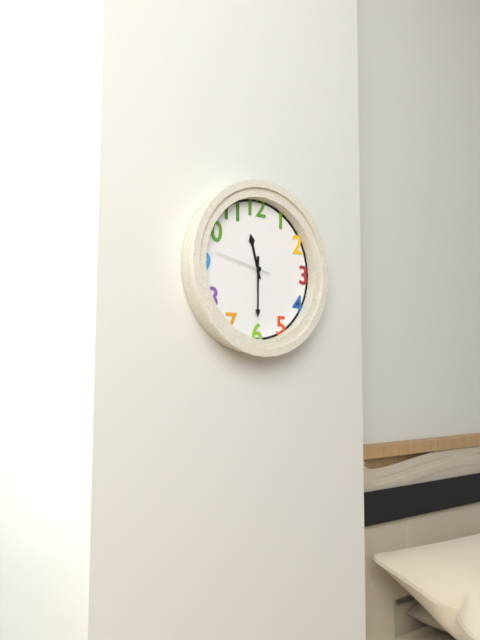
11h30m47s
